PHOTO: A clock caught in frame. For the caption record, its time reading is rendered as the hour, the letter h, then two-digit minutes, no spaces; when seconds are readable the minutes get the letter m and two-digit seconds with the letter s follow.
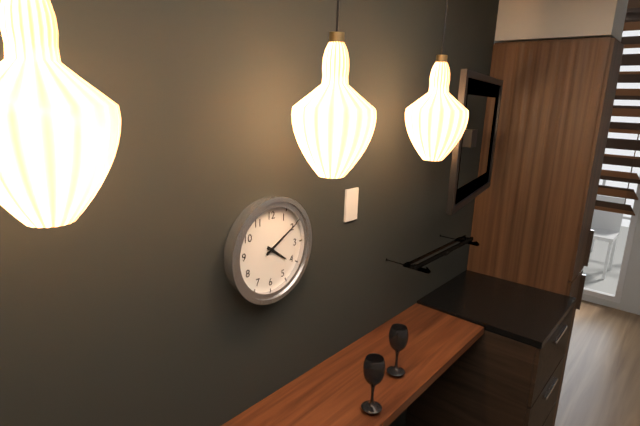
4h10
